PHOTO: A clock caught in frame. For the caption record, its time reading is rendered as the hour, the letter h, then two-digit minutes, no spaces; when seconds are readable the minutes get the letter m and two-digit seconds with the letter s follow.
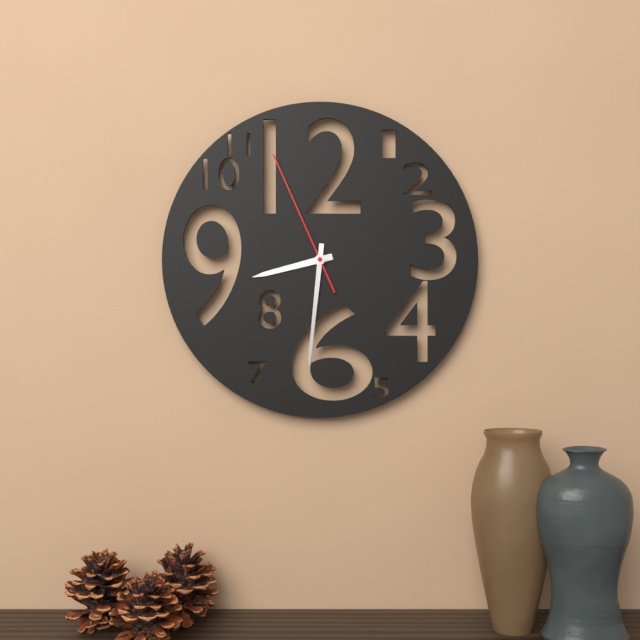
8h31m56s
